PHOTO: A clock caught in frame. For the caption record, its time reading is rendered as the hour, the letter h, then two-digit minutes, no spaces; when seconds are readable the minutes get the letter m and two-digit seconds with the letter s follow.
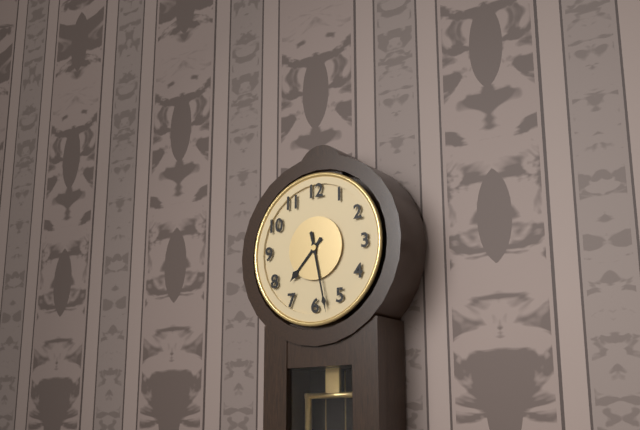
7h28
